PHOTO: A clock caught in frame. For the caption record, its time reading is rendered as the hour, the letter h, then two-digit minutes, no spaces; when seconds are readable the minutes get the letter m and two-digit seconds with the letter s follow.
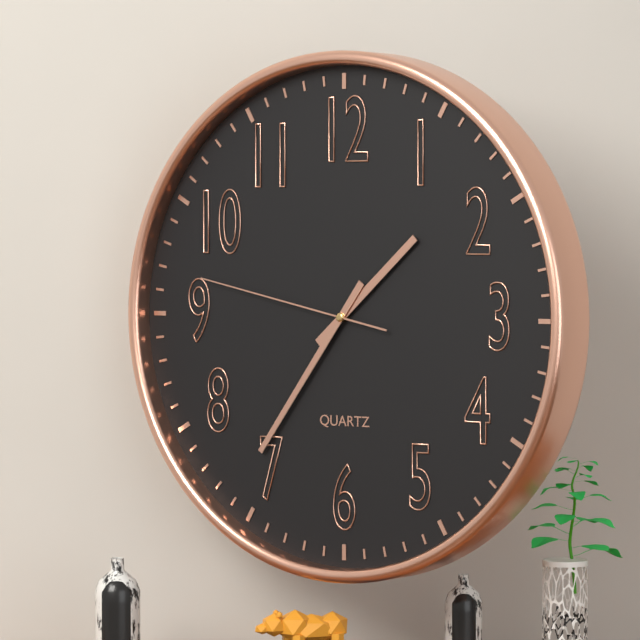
1h36m47s
